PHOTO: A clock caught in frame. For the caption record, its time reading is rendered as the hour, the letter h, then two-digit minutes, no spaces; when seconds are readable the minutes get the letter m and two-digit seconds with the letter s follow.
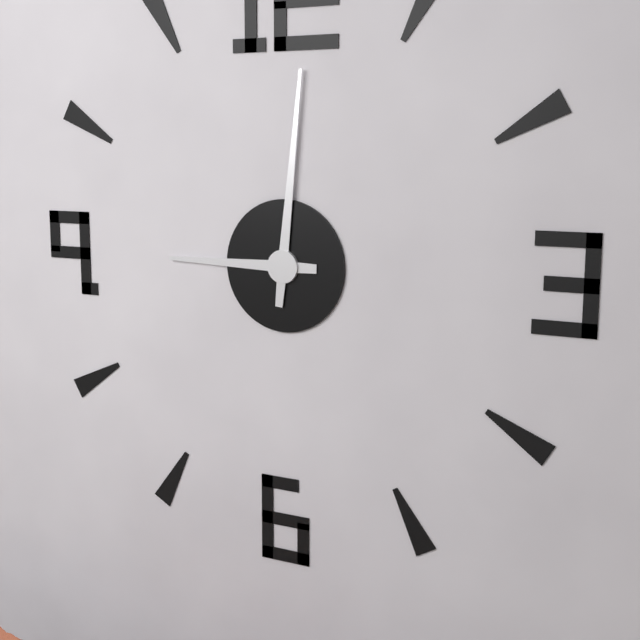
9h01
